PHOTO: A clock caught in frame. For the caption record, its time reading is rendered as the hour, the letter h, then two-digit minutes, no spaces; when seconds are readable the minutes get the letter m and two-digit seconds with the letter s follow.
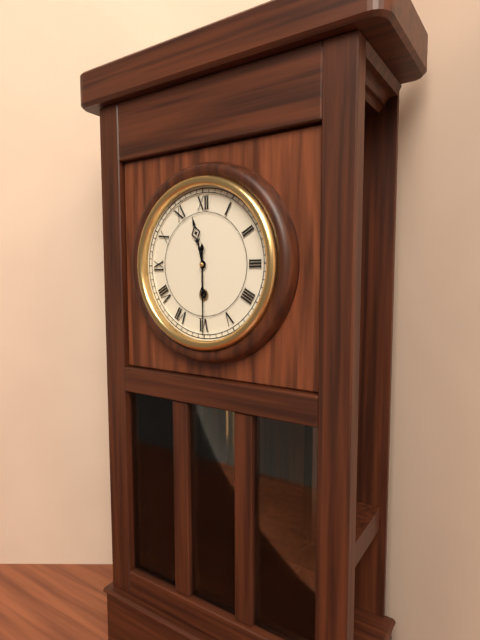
11h30
